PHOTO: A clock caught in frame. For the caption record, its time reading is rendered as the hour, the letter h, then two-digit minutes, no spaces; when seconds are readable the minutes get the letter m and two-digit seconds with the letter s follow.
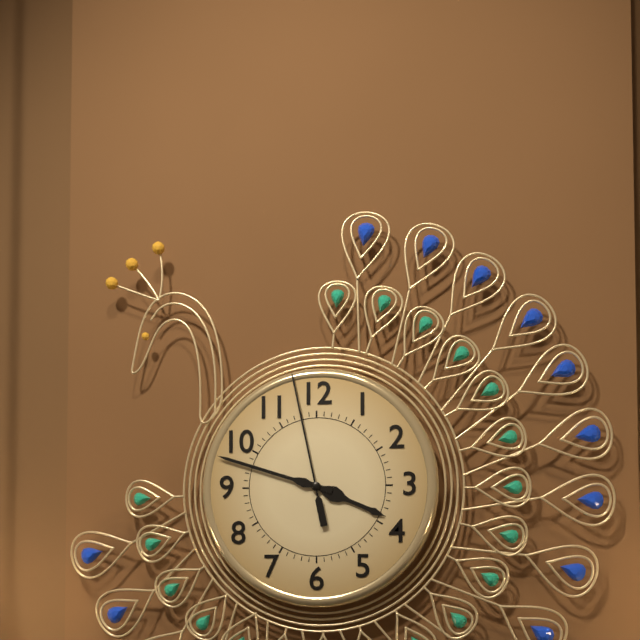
3h48m58s
